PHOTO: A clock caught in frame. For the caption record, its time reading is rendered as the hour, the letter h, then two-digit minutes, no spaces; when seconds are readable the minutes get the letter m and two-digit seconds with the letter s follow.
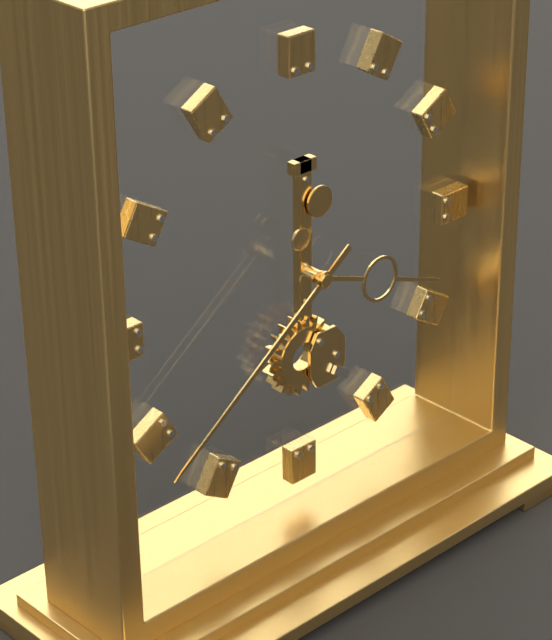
3h39
